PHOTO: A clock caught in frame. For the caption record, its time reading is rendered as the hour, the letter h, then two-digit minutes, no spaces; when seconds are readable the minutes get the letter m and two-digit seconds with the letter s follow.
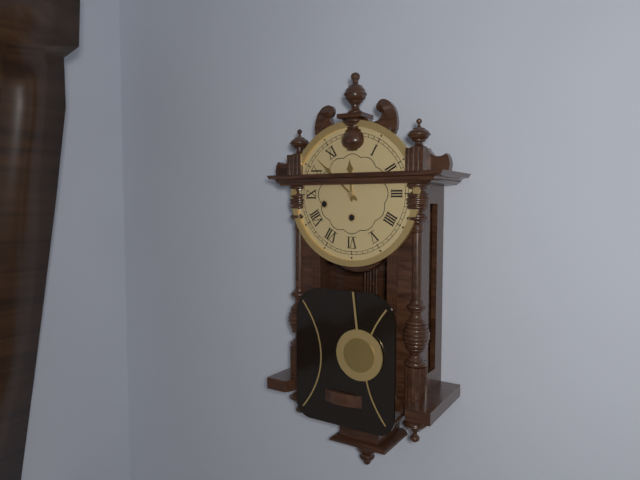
11h52
